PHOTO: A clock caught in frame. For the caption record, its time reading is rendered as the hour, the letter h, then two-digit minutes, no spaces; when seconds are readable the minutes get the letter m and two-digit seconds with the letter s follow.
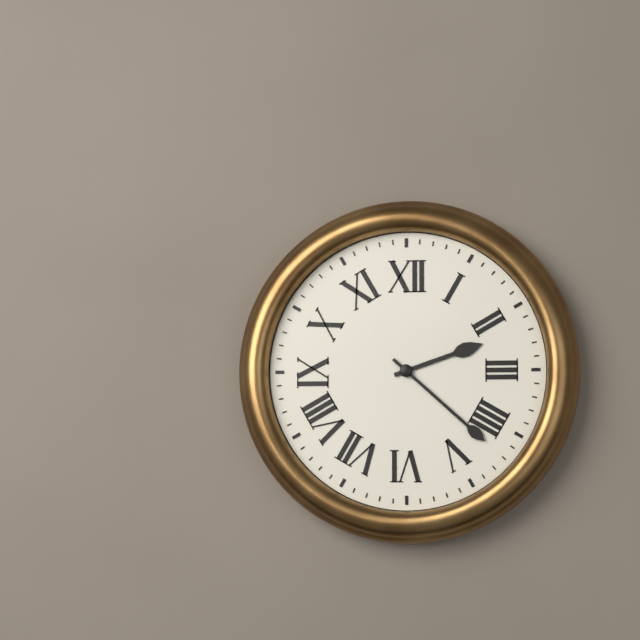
2h22
